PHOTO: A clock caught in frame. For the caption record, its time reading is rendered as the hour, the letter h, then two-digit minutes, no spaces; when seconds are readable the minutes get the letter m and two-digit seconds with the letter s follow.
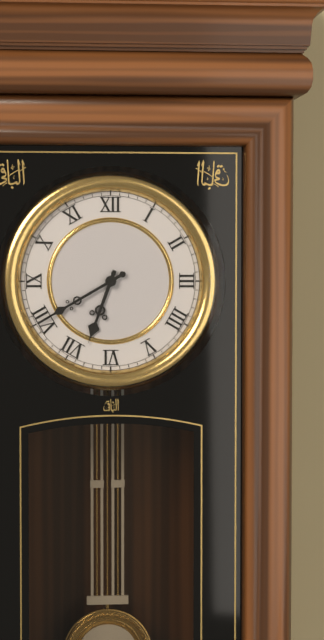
6h40
